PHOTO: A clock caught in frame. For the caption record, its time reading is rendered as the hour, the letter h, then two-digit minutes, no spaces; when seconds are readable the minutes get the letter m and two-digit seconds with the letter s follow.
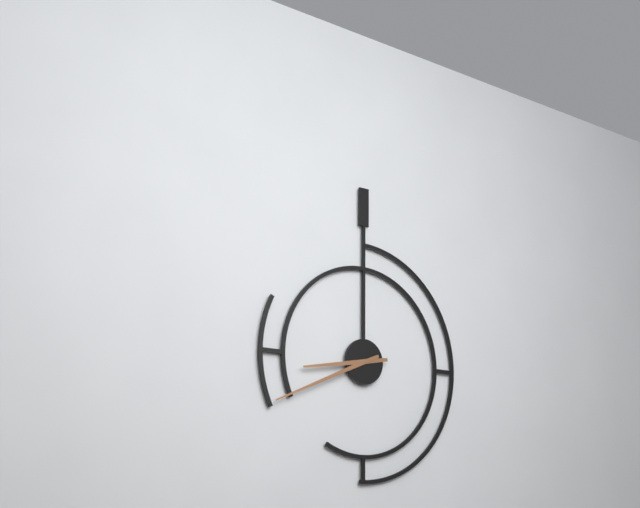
8h41
